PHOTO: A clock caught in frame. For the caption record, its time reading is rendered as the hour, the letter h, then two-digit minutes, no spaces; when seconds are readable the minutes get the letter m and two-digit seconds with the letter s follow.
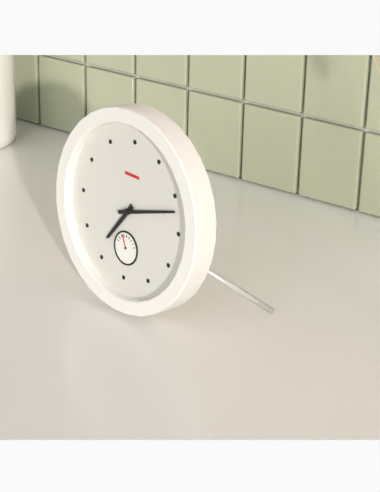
7h12
